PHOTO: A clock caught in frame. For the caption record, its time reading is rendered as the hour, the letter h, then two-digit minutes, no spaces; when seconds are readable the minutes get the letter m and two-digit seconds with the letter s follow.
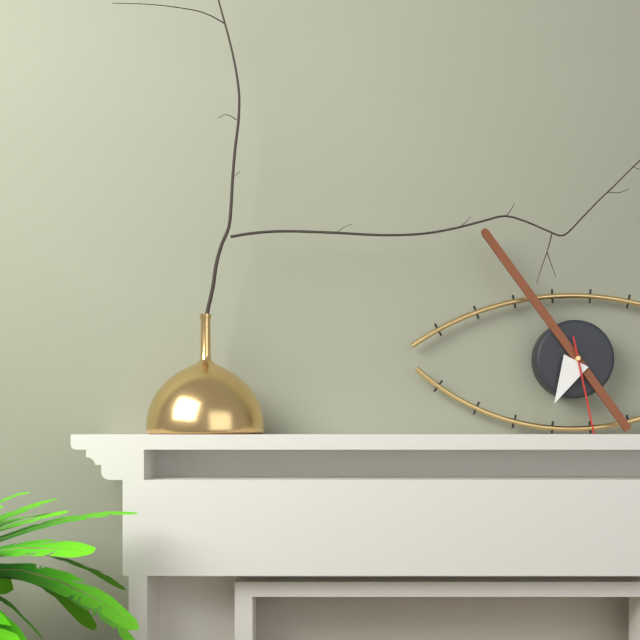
6h54
